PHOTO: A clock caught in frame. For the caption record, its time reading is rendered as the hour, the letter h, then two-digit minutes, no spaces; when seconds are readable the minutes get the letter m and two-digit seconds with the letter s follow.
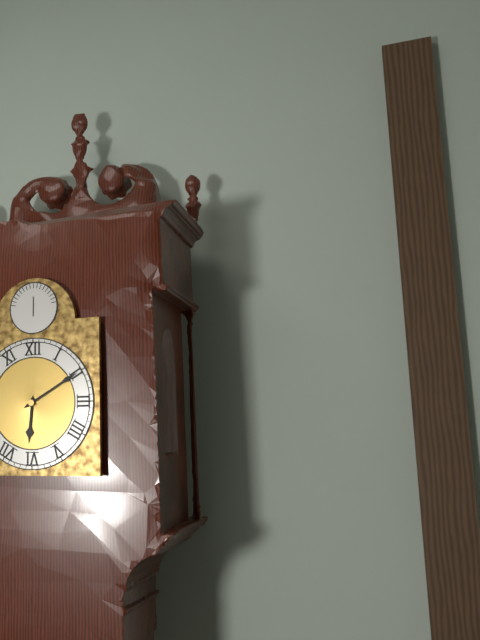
6h10
